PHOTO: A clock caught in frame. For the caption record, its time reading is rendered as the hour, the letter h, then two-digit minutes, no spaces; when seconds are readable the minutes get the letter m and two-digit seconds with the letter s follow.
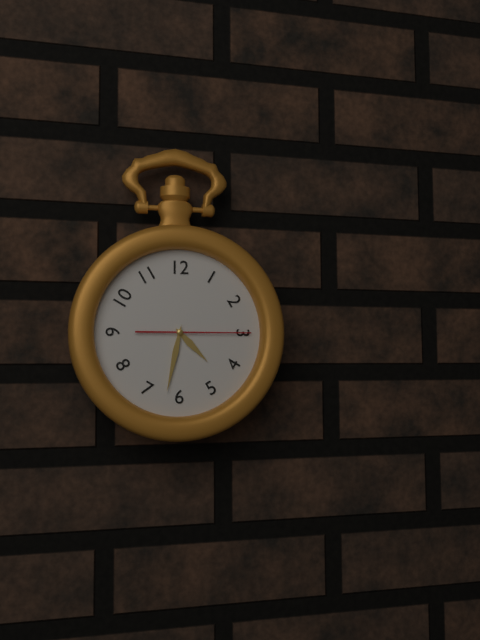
4h32m15s
